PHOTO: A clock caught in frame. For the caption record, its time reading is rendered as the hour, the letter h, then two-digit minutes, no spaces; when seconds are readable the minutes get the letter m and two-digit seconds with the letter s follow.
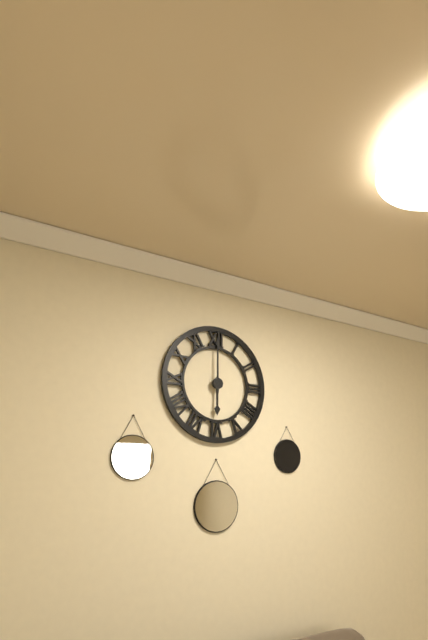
6h00
